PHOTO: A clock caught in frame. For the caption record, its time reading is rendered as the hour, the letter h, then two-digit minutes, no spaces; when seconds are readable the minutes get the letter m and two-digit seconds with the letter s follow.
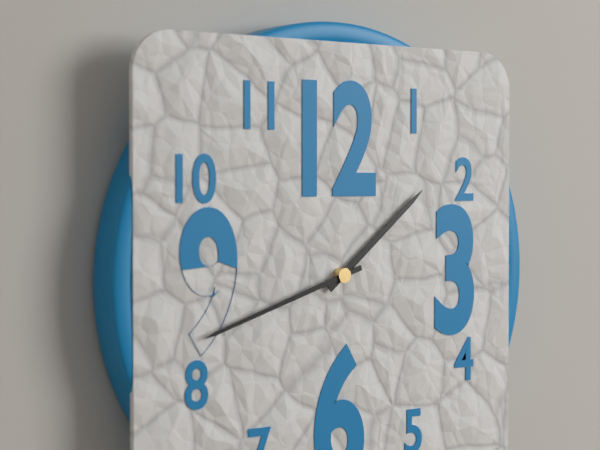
1h42
